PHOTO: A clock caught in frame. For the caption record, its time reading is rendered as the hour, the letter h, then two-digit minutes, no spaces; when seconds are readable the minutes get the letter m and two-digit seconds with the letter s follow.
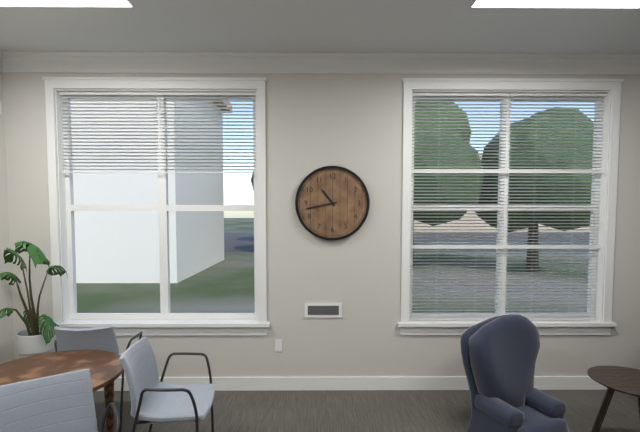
10h43
